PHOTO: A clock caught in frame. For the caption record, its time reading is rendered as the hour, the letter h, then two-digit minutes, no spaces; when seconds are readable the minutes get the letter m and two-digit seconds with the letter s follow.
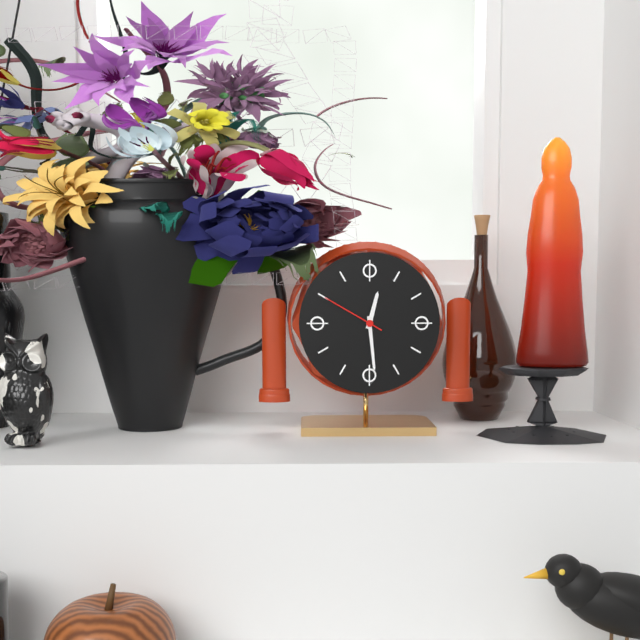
12h29m50s
